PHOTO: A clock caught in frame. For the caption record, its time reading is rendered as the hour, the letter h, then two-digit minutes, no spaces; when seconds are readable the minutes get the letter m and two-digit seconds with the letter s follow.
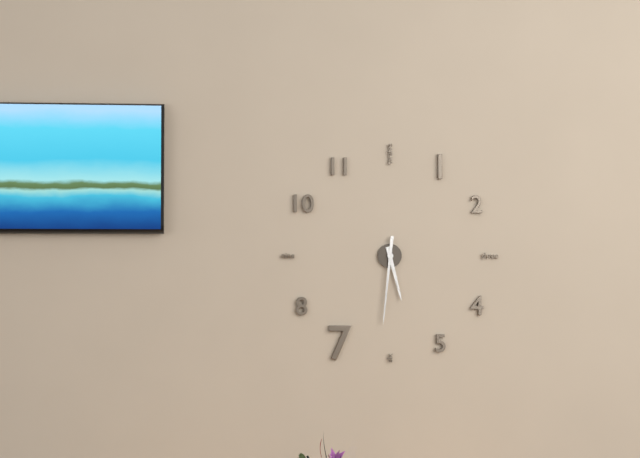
5h31
